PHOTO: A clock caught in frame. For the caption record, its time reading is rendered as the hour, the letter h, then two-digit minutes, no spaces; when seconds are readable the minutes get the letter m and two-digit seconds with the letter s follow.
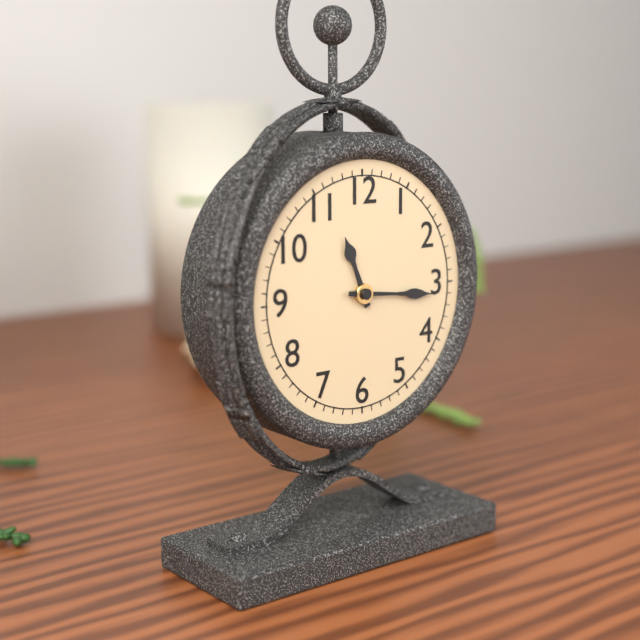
11h16
